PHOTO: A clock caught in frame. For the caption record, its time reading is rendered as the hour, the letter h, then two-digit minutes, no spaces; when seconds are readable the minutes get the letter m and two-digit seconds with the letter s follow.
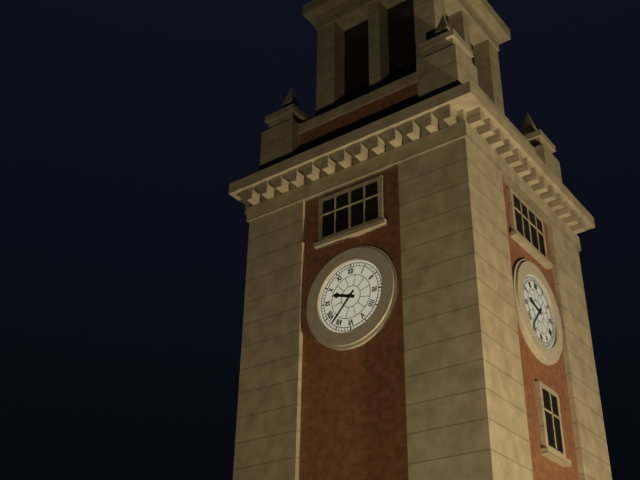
9h37
